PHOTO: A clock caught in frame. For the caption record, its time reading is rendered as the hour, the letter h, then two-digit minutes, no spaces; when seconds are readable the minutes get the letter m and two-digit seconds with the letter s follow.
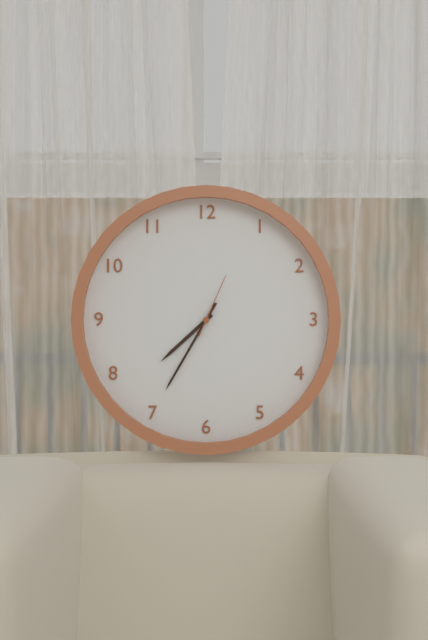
7h35m04s
